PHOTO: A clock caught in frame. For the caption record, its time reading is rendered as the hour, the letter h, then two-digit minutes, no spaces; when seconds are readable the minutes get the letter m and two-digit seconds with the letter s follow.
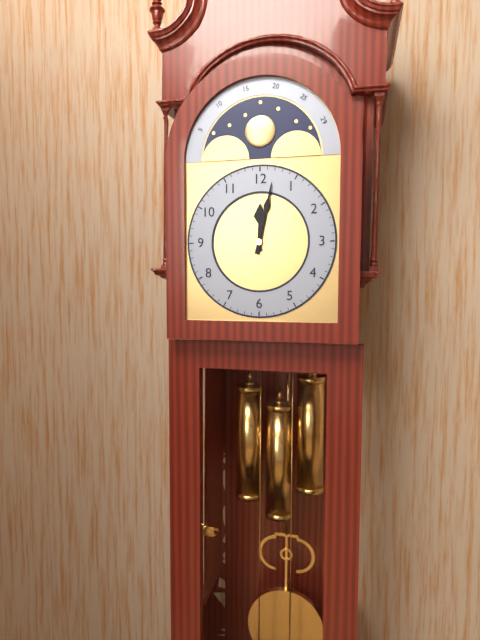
12h02
